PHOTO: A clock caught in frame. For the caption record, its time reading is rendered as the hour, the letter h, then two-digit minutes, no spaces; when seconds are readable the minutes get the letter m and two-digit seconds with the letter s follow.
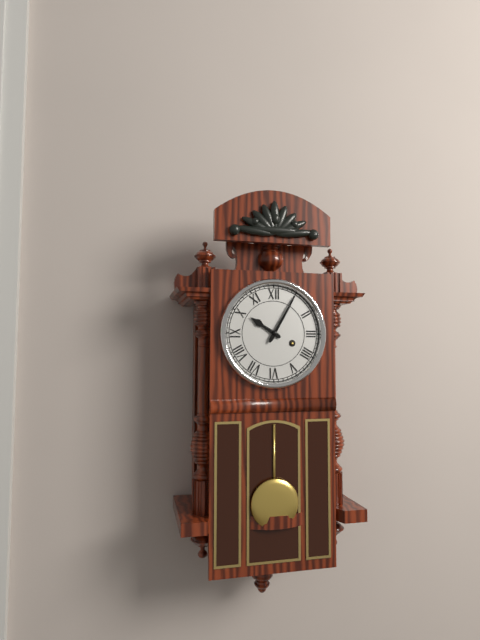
10h05
